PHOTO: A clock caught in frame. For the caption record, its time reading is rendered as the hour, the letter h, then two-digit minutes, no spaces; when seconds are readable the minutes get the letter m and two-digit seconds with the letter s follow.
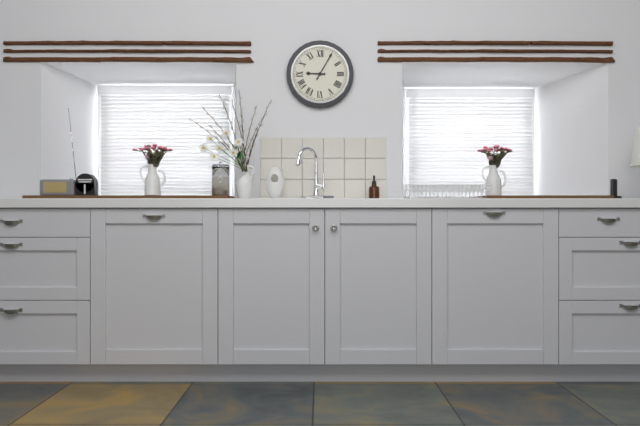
9h05
